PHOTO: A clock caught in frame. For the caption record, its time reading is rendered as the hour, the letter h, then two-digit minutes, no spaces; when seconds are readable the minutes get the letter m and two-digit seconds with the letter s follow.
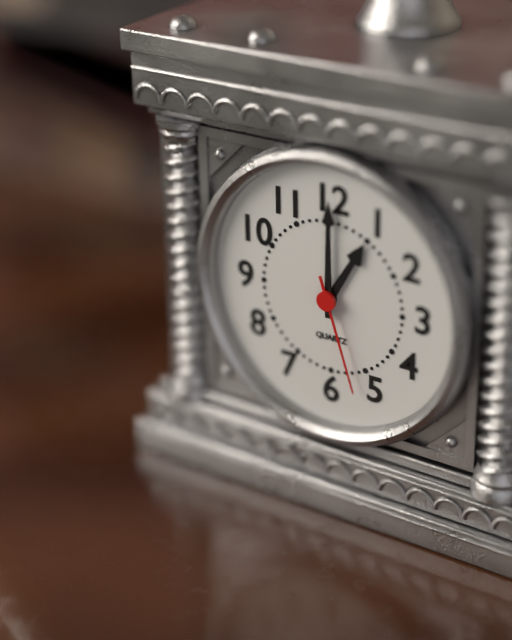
1h00m27s
